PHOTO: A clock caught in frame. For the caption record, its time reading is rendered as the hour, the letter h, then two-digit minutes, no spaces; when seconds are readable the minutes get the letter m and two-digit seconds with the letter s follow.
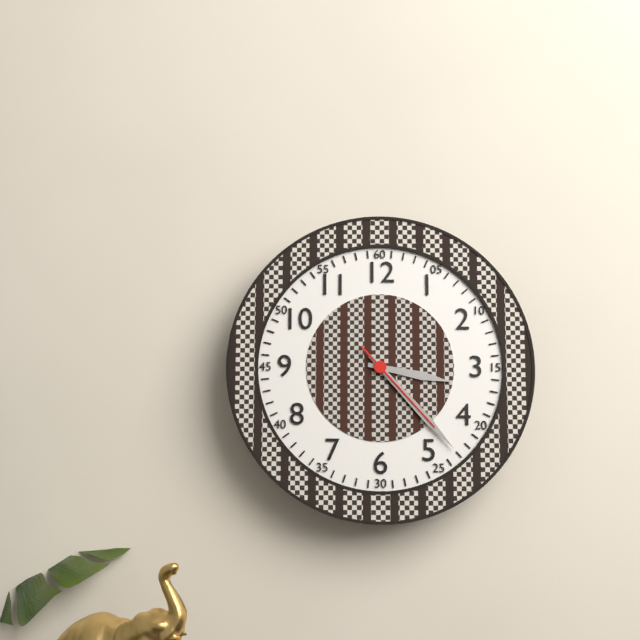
3h23m23s
